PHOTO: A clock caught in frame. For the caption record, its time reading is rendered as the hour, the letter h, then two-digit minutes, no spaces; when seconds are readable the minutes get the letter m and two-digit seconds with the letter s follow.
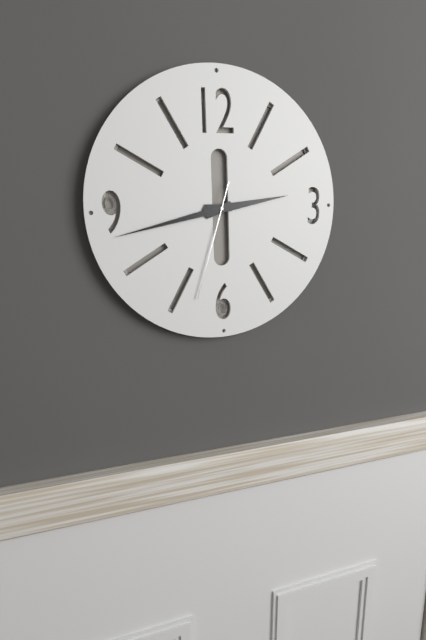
2h43m33s
